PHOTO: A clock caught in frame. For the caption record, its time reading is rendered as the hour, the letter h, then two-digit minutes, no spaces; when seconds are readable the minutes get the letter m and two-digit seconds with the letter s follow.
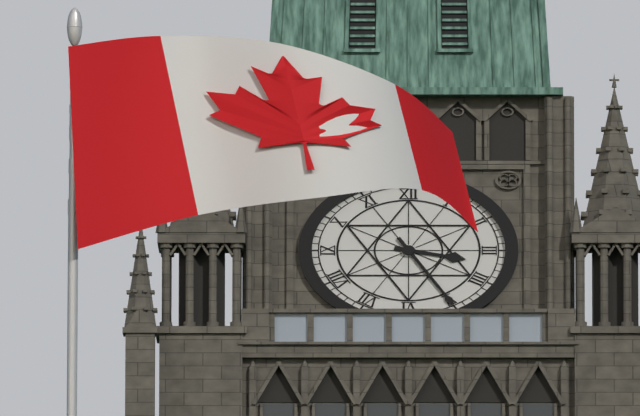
3h25
